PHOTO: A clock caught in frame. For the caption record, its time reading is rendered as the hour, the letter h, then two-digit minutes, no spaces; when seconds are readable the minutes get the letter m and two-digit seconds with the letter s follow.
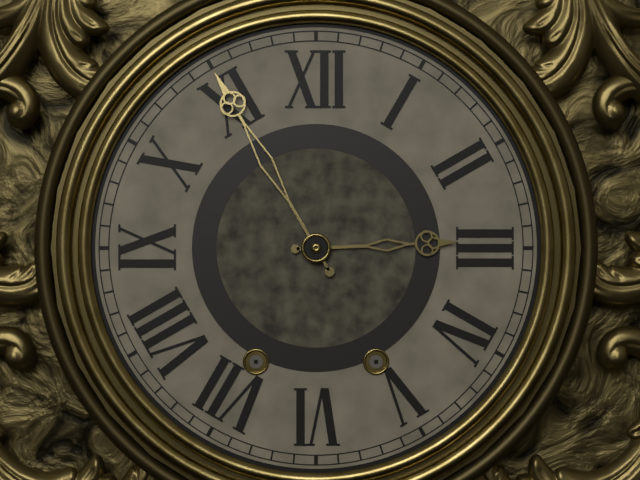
2h55
